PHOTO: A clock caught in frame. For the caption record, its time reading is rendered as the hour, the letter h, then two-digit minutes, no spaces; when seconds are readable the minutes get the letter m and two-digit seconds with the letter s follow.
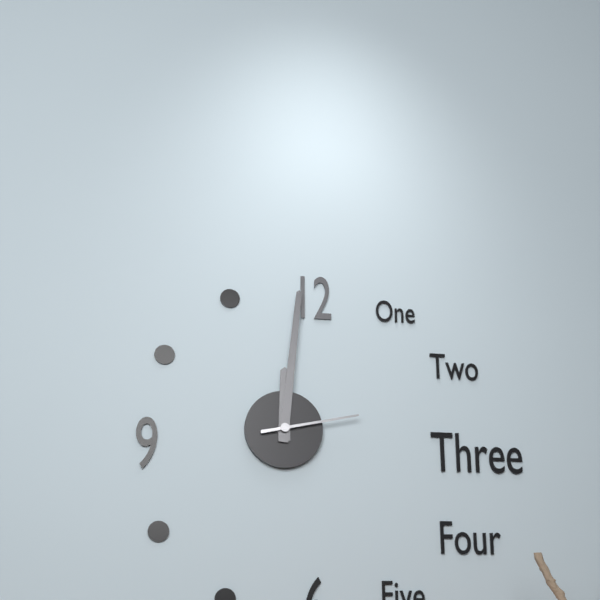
12h01m13s
